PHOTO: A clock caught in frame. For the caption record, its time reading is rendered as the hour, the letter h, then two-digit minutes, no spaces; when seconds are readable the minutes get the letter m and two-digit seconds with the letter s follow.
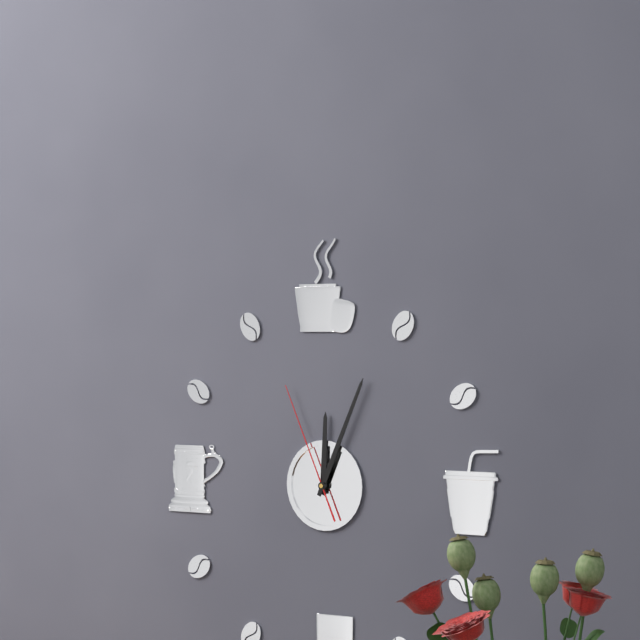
12h04m56s
